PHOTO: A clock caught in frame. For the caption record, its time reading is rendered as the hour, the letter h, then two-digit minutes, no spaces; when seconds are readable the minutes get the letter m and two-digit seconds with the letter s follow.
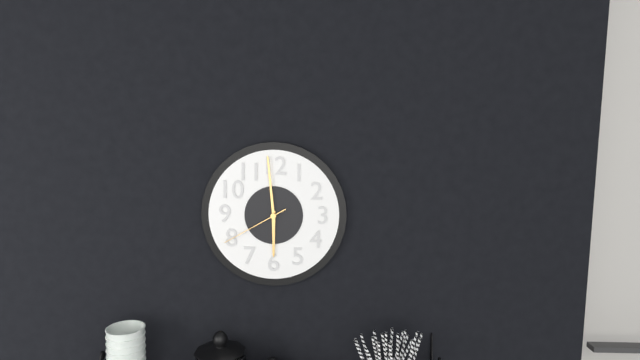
5h59m40s
